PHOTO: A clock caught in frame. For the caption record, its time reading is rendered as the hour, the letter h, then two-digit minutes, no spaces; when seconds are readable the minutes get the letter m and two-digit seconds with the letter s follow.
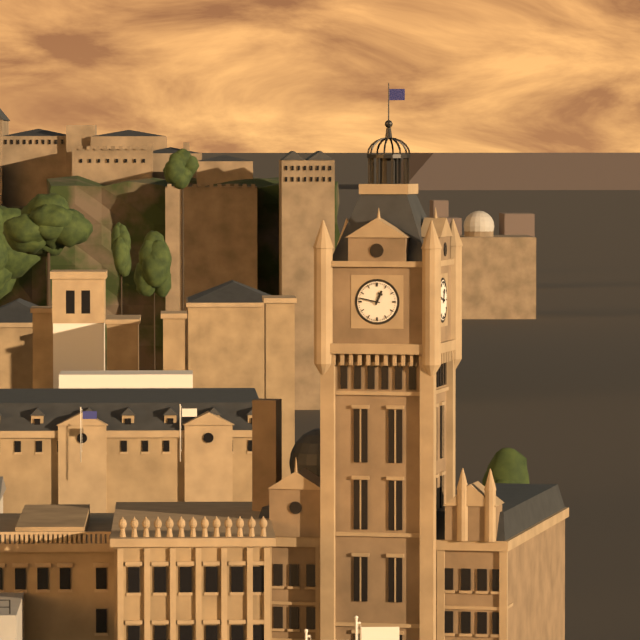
12h47
